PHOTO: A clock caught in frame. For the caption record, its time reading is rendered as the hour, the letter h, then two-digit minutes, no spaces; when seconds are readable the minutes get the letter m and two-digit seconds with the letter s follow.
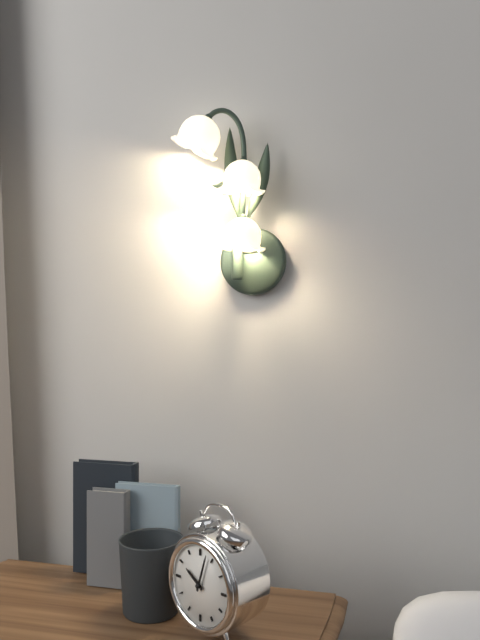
10h03
